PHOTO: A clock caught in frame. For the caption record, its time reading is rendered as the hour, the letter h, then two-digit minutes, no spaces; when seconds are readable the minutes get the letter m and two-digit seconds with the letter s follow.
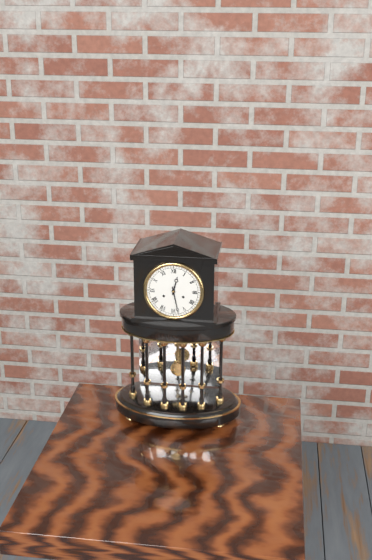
12h28
